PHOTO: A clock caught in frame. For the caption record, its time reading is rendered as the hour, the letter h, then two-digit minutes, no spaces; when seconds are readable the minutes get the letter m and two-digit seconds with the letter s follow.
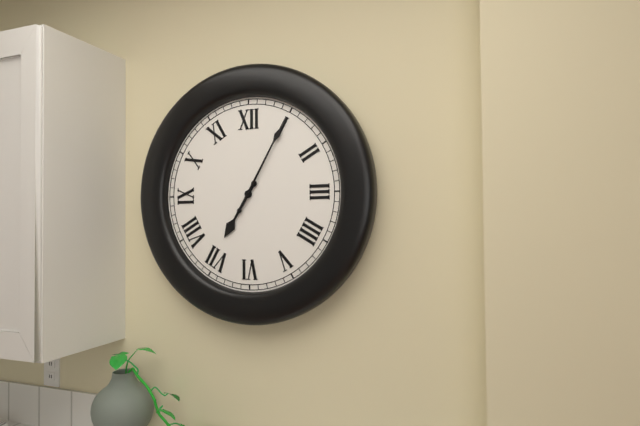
7h05
